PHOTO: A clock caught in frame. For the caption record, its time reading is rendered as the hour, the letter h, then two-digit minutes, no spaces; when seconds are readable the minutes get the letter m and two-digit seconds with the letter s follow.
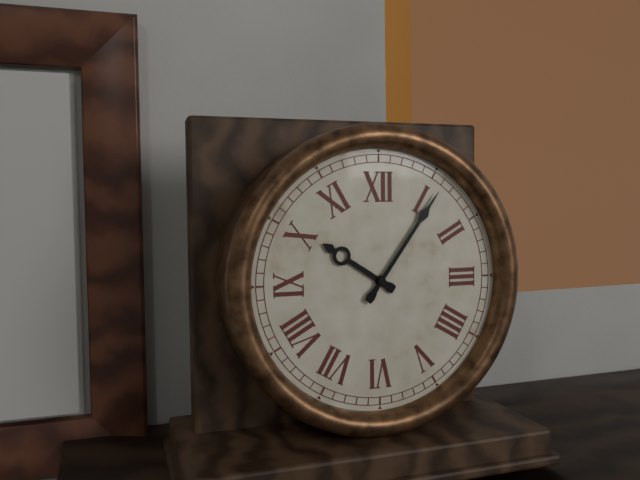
10h06
